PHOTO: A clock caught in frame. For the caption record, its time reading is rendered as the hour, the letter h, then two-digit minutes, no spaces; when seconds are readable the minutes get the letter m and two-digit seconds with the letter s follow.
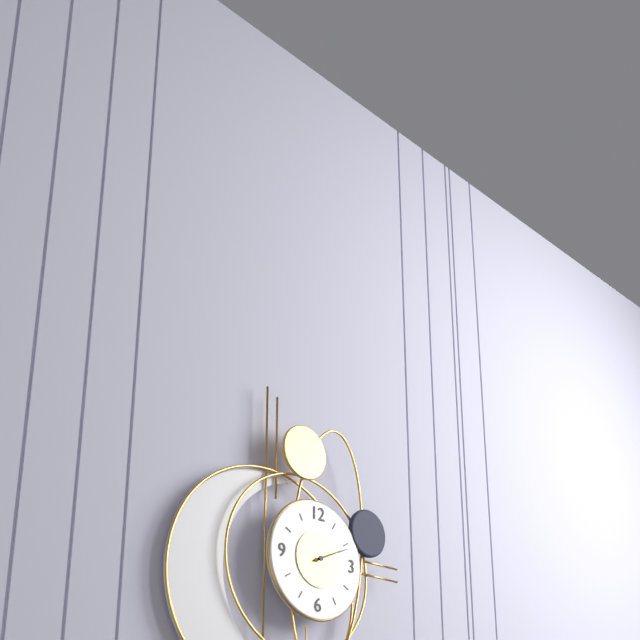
2h11
